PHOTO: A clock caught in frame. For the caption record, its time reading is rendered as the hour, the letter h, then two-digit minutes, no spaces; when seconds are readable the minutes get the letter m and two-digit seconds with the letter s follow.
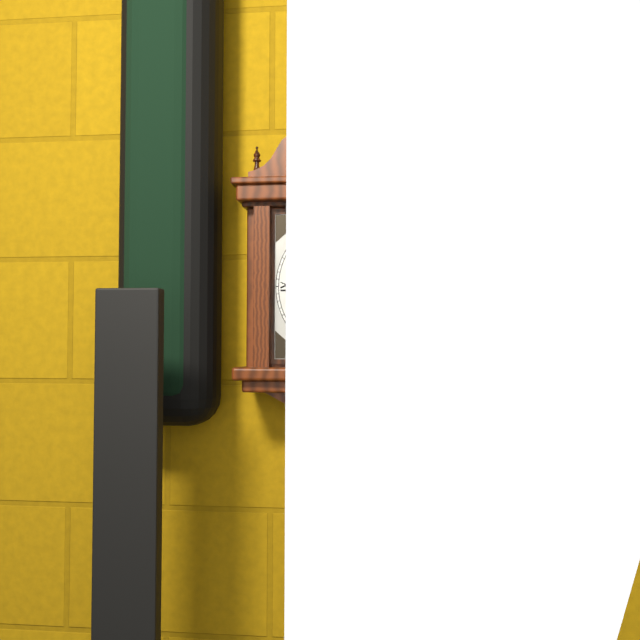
1h18
